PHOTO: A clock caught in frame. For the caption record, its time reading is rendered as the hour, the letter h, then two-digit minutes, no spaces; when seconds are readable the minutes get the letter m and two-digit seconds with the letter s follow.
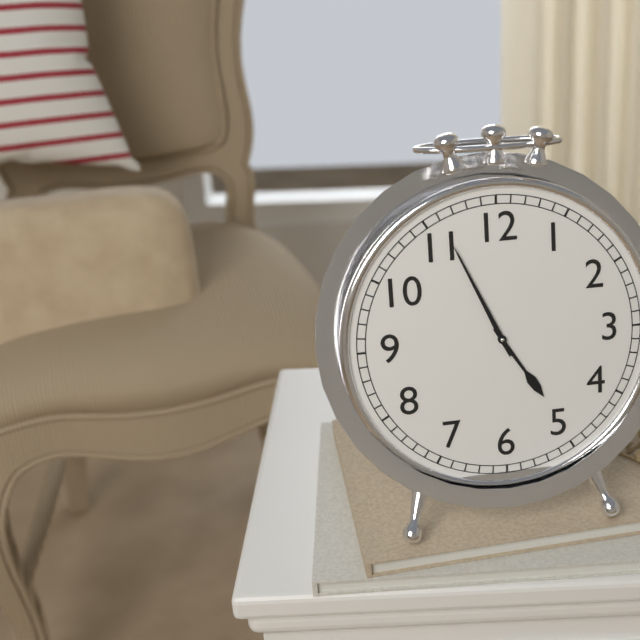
4h56
